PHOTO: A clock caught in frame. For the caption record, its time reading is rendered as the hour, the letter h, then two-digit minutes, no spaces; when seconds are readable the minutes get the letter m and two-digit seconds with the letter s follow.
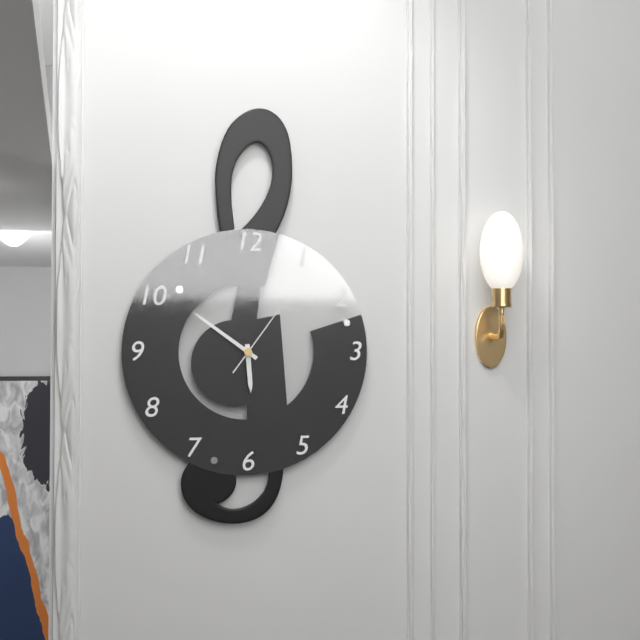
5h51m06s
